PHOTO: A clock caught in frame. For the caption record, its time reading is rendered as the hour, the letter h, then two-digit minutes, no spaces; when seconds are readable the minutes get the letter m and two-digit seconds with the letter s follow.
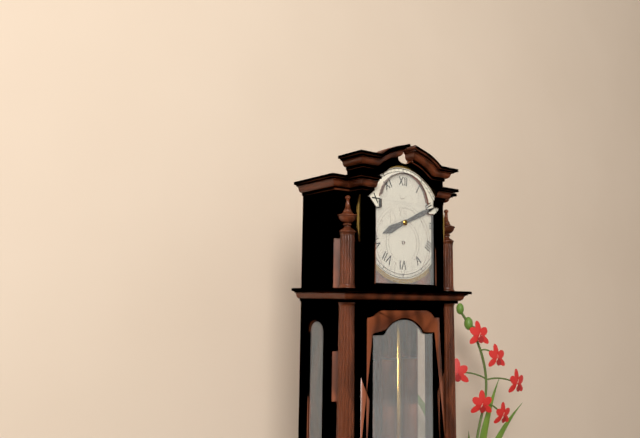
8h11
